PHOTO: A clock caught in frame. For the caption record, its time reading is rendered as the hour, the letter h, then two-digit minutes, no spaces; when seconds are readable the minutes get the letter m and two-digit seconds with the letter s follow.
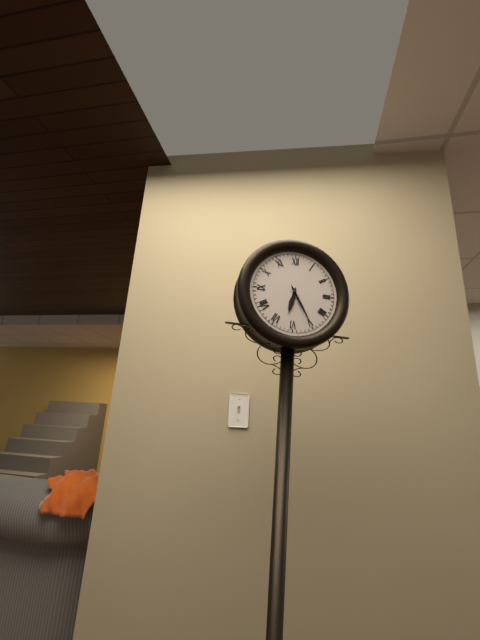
6h25
